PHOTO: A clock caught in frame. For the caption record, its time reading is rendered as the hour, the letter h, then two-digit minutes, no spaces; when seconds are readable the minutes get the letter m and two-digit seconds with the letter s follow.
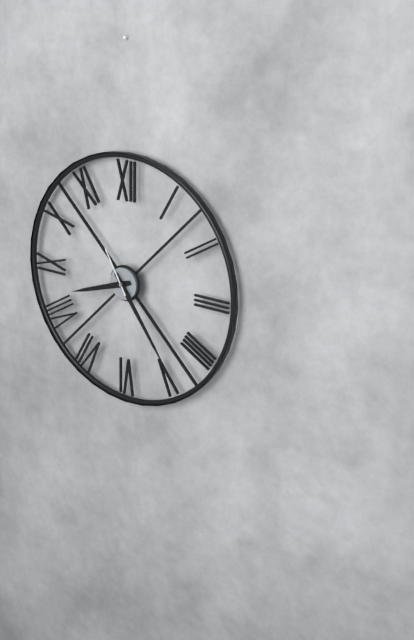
8h24m55s
